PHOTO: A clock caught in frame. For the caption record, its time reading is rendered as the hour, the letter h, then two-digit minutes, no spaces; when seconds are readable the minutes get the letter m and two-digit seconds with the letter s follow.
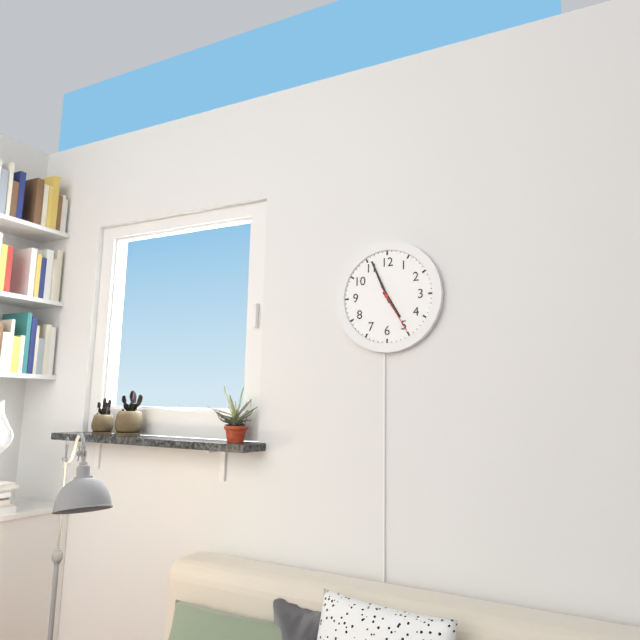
4h56m25s
